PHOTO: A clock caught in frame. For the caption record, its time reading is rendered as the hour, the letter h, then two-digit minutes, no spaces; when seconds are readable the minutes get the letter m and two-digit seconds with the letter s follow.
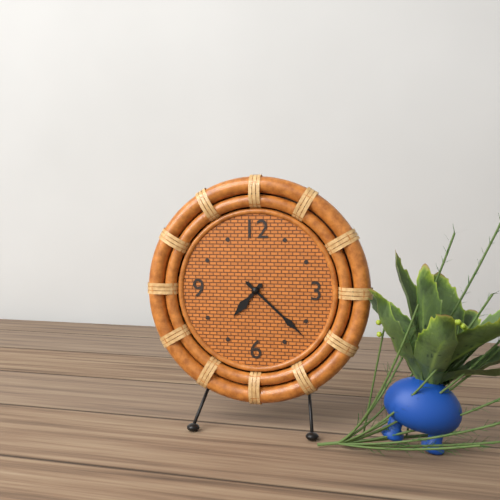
7h22
